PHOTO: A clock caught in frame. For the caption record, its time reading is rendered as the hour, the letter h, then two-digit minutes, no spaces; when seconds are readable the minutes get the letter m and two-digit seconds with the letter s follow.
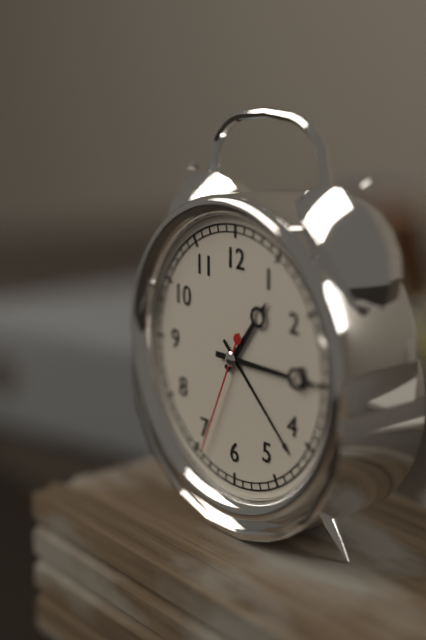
1h15m34s
